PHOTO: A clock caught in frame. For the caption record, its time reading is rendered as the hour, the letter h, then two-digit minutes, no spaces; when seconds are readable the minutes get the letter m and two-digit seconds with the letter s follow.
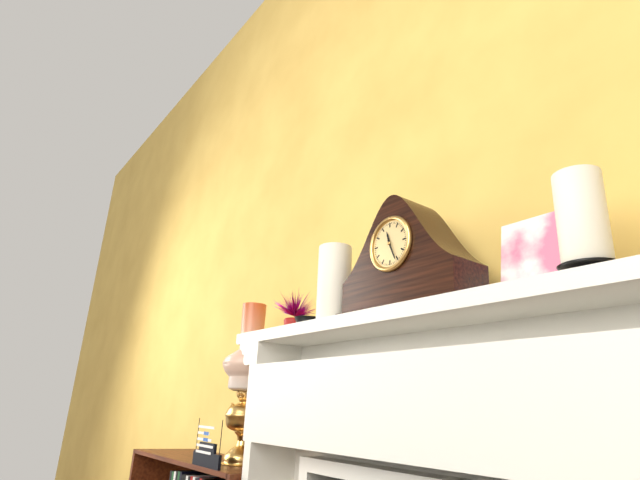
11h26
